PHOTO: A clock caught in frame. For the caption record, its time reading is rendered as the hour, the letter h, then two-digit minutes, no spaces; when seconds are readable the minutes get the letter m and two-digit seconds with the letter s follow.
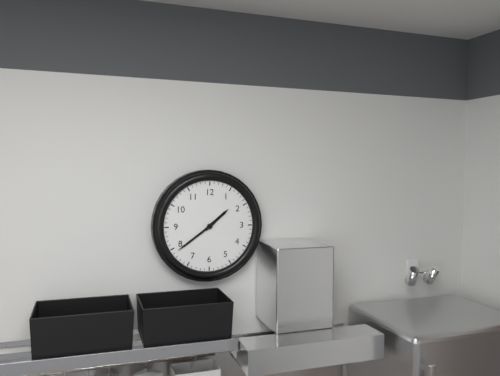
1h39
